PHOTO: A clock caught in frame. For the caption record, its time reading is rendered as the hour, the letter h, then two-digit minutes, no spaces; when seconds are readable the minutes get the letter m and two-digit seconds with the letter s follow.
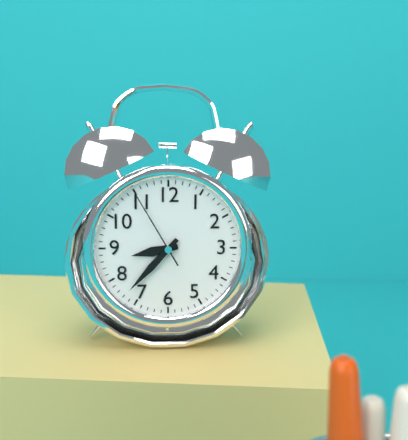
8h37m55s
